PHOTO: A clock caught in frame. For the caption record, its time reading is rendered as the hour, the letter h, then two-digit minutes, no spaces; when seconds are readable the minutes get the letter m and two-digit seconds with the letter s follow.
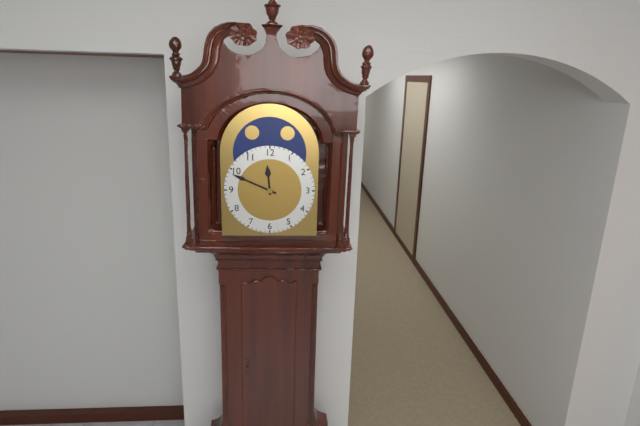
11h49
